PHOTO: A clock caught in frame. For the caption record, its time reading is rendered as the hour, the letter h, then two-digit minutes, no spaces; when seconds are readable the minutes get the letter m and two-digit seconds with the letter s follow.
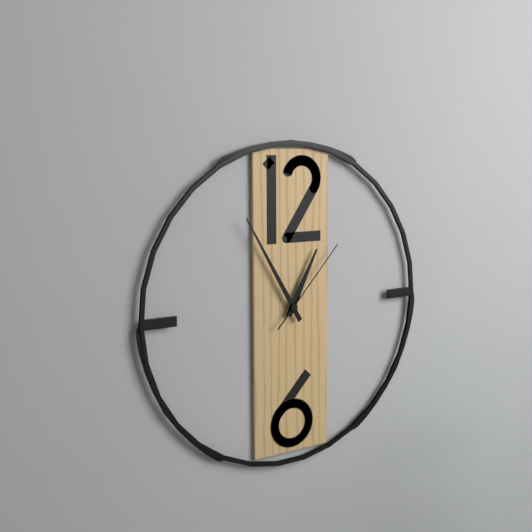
12h55m07s
